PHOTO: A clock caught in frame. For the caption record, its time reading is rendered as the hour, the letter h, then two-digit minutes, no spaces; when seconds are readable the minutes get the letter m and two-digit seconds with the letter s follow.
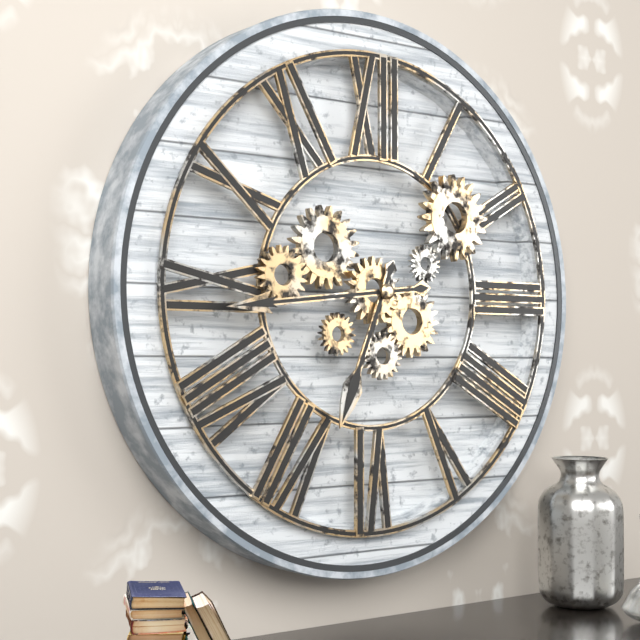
6h44
